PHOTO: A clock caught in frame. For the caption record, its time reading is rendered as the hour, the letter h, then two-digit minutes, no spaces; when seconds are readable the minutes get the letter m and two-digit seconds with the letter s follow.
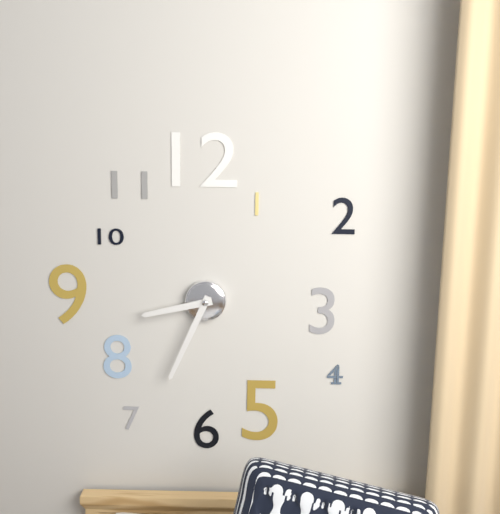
8h34
